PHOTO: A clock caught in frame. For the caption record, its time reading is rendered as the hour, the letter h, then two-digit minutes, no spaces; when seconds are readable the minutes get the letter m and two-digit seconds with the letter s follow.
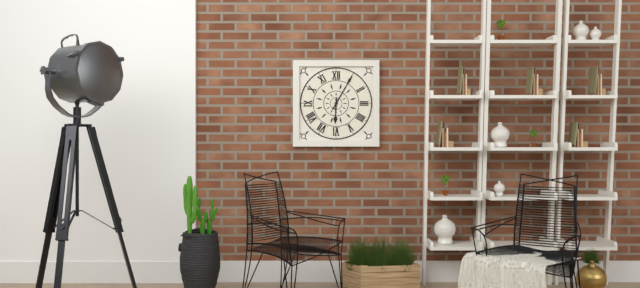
6h05
